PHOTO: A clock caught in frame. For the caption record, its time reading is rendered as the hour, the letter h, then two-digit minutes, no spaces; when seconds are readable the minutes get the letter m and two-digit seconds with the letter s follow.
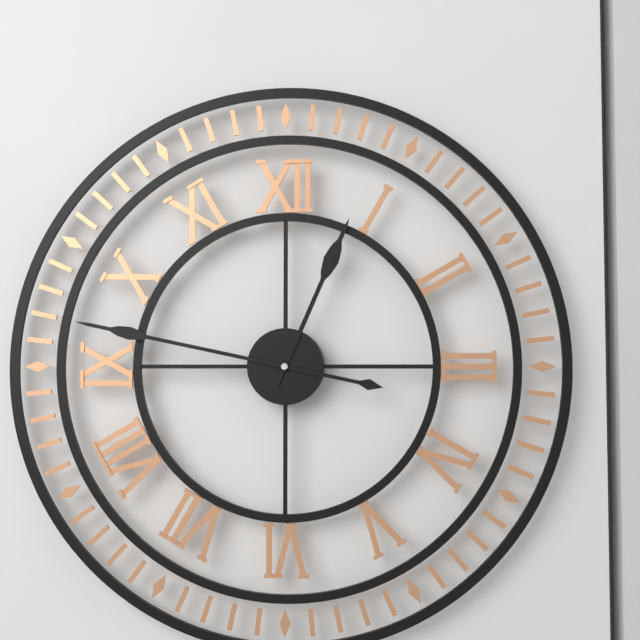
12h47
